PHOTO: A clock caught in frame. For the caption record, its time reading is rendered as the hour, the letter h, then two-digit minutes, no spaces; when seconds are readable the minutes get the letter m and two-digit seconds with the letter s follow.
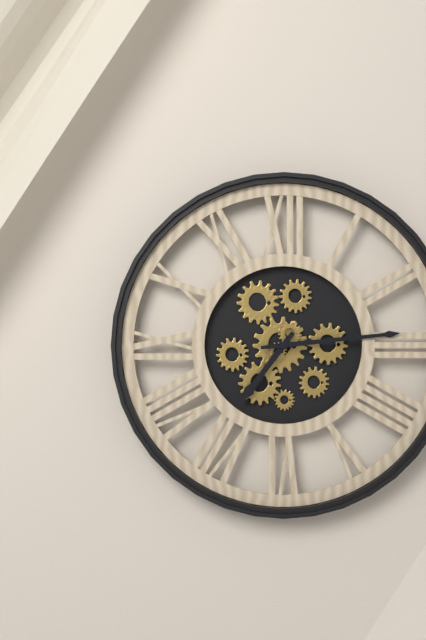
7h14
